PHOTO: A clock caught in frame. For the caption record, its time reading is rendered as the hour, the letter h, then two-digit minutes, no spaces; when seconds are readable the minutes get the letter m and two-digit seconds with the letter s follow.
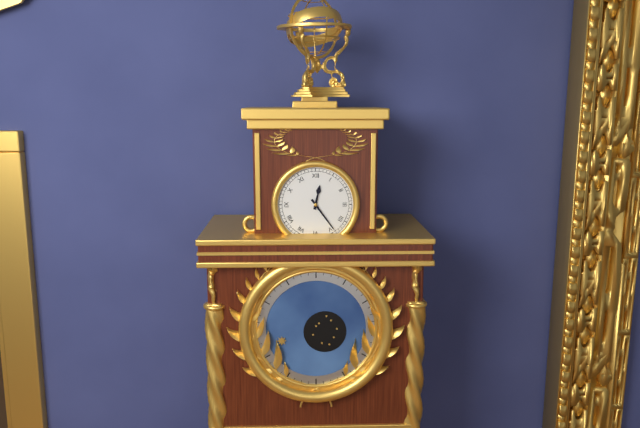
12h24
